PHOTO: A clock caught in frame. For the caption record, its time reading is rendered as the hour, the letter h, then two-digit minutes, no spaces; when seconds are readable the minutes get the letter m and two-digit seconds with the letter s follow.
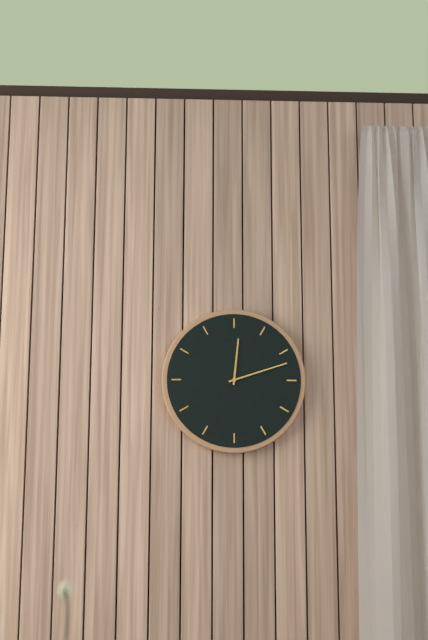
12h12
